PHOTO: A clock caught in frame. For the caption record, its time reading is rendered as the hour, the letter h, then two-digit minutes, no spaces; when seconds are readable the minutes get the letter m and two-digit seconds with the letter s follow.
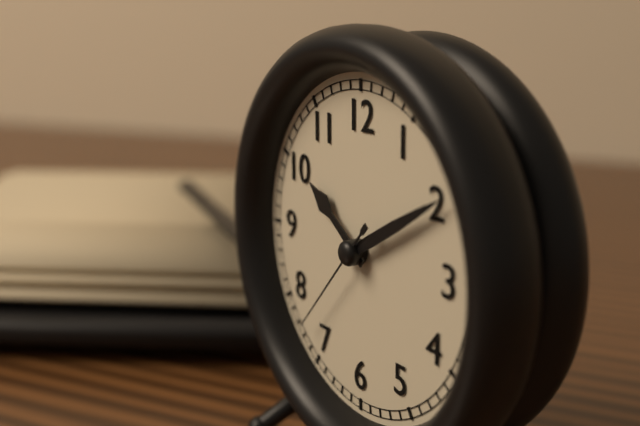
10h10m37s
